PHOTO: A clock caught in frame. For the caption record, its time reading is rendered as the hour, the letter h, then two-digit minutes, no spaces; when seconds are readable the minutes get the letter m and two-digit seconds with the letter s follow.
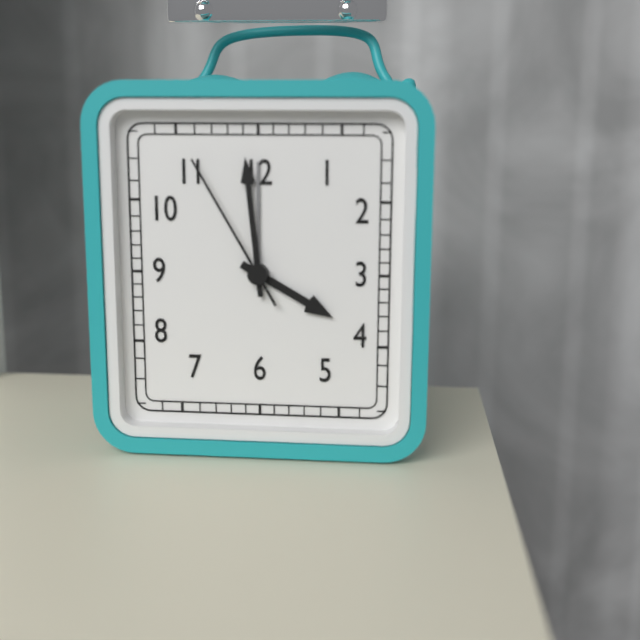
3h59m55s
